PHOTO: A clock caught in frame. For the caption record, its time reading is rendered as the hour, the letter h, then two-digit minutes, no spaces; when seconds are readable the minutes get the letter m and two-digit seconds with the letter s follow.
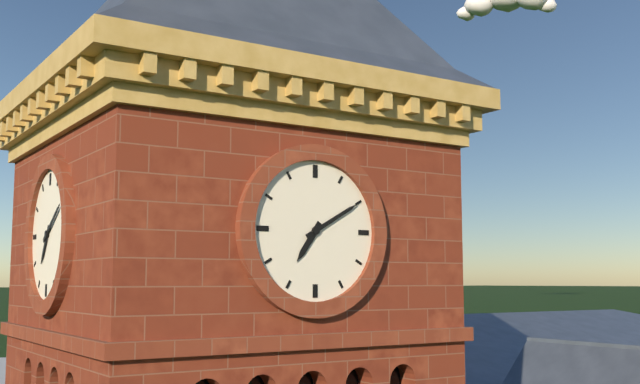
7h10
